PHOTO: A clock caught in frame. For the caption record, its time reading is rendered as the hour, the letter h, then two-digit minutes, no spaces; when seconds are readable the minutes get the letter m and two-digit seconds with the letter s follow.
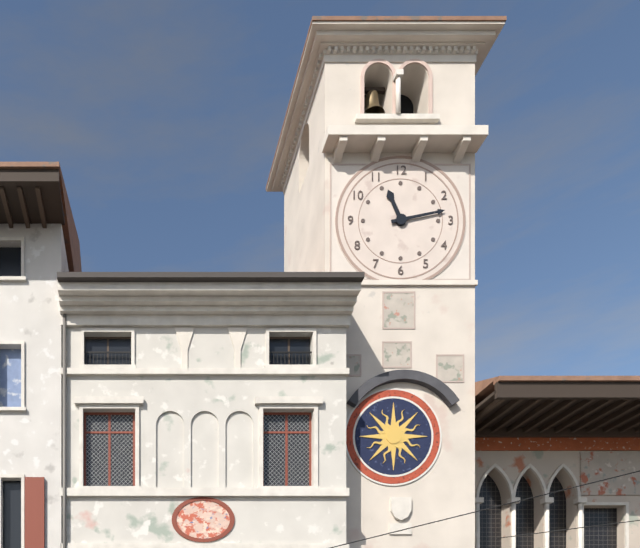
11h13
